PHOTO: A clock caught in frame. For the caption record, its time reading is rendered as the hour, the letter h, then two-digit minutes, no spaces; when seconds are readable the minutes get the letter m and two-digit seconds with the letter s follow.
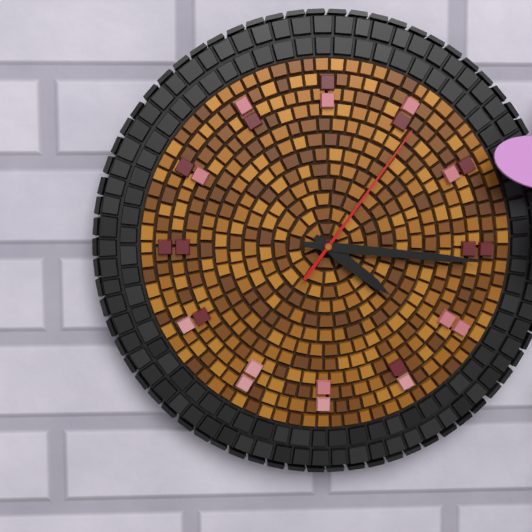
4h16m06s
